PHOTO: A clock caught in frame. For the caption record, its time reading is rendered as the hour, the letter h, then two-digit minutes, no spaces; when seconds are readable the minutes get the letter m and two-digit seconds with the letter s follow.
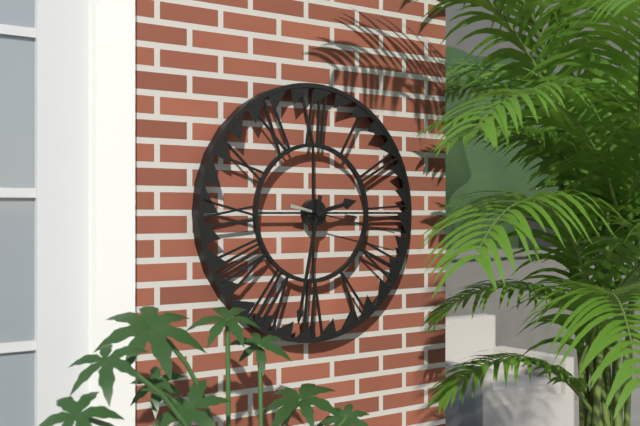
2h32m17s
